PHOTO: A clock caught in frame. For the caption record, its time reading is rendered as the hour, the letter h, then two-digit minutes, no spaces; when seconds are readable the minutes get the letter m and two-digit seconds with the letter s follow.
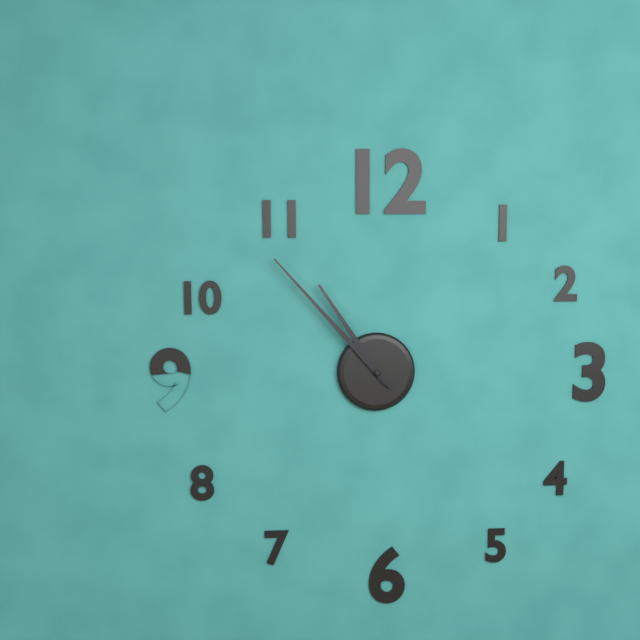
10h53
